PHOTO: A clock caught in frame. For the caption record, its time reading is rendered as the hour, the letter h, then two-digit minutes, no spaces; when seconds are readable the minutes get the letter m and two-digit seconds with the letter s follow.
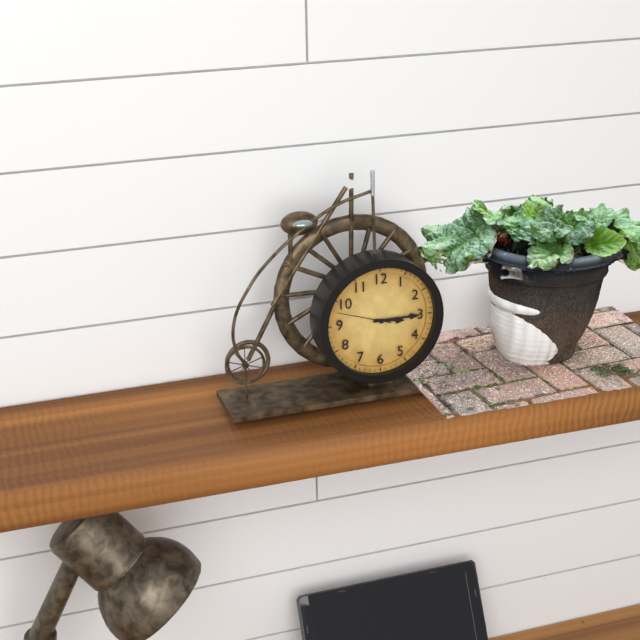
3h15m48s
